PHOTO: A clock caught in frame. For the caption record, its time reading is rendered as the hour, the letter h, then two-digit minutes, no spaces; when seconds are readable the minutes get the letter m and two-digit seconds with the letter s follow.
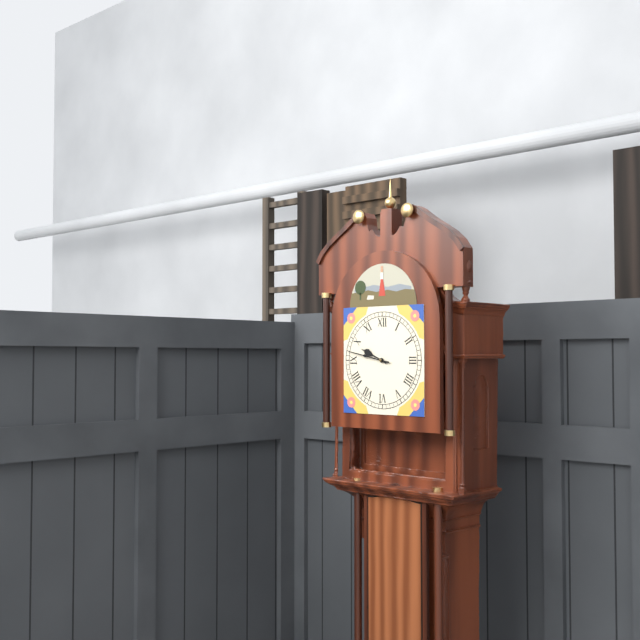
9h47
